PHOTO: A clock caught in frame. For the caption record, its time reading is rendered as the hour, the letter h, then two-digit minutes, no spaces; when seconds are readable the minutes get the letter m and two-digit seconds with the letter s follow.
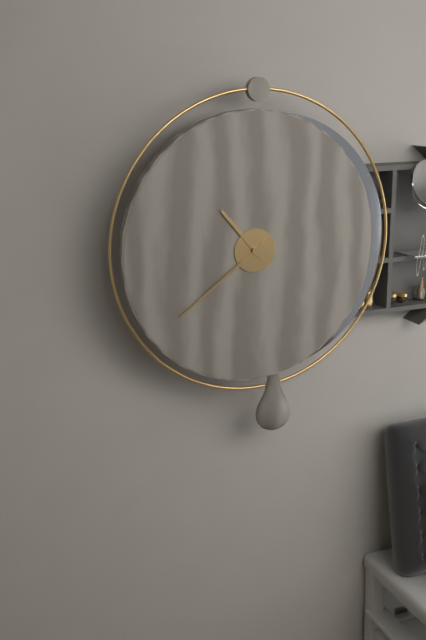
10h39
